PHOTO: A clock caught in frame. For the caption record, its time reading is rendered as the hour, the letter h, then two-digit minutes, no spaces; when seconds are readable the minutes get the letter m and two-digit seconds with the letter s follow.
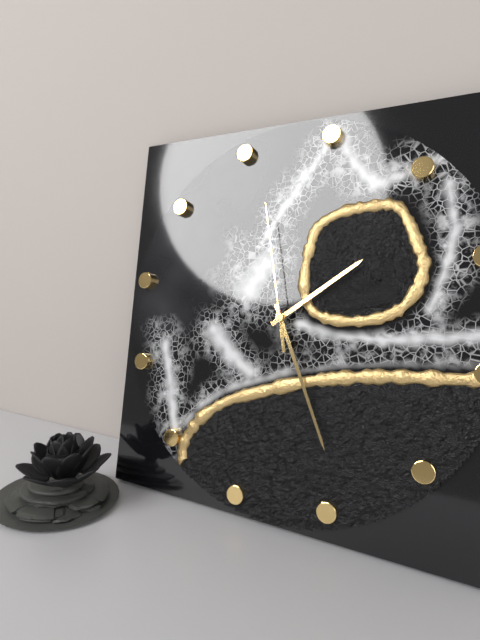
1h24m56s
